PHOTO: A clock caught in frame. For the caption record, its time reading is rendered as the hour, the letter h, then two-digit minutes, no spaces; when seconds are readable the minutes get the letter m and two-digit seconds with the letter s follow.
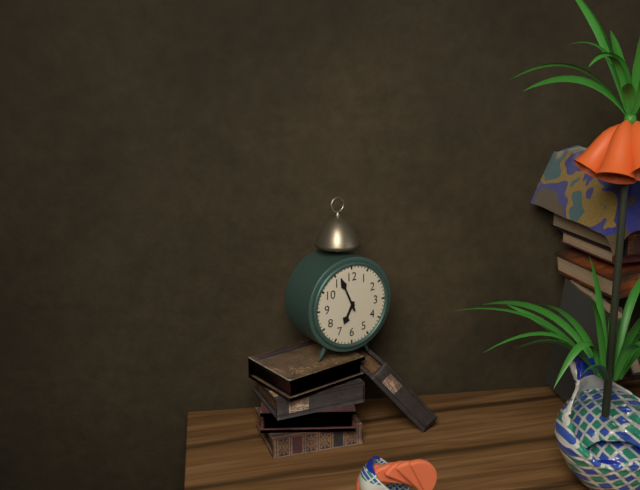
6h56
